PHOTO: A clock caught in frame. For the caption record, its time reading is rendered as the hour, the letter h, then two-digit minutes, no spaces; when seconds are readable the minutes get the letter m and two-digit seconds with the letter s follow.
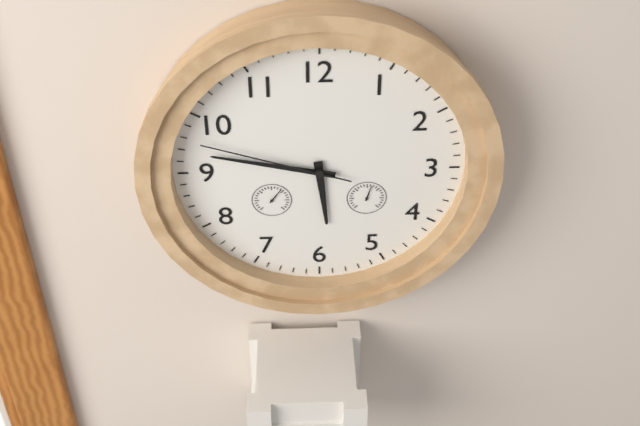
5h47m48s
